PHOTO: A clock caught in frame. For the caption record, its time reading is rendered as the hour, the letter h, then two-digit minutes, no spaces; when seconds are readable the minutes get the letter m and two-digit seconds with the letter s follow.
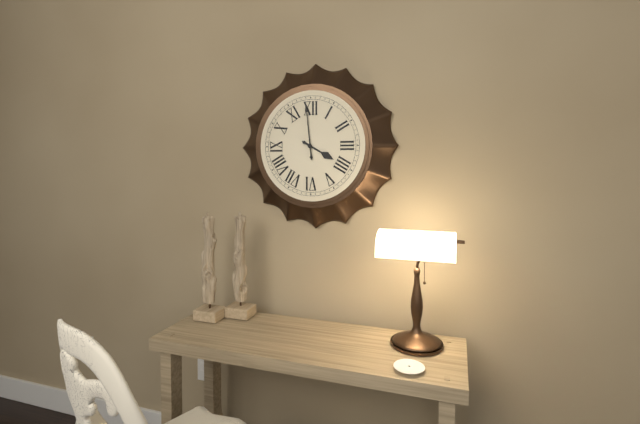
3h59
